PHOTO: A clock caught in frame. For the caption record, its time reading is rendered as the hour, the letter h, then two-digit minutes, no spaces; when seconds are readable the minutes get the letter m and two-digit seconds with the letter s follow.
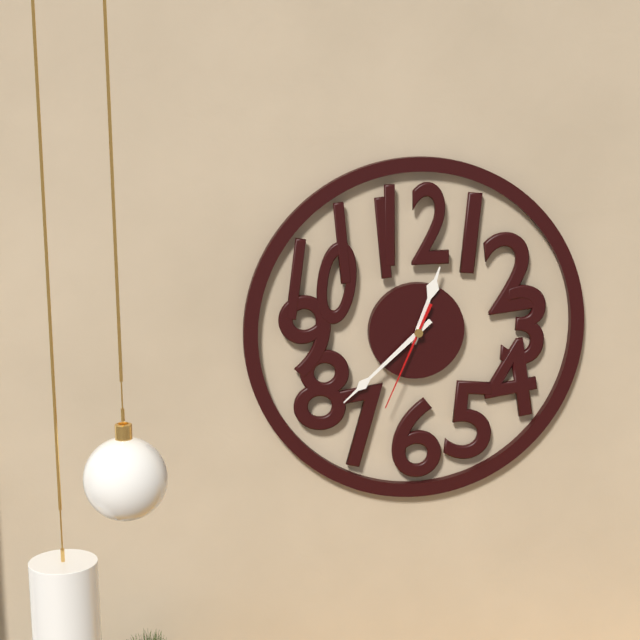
12h38m34s
